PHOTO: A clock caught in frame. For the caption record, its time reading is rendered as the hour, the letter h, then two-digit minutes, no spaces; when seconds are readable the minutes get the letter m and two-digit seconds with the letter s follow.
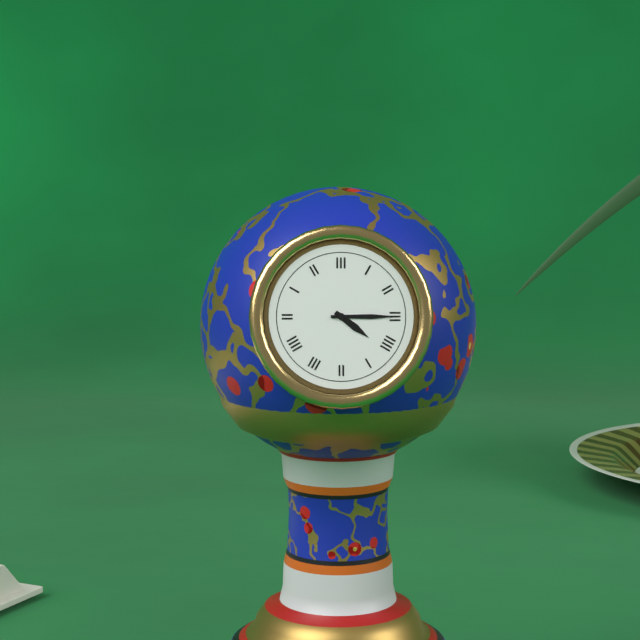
4h15
